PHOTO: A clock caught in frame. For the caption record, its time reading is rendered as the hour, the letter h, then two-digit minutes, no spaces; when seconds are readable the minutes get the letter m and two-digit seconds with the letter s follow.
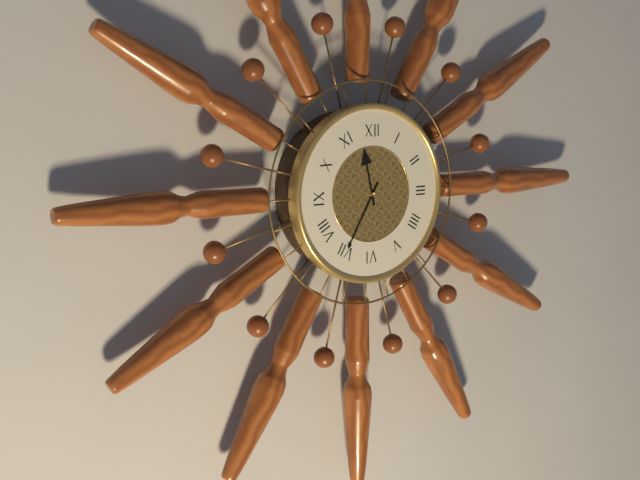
11h35
